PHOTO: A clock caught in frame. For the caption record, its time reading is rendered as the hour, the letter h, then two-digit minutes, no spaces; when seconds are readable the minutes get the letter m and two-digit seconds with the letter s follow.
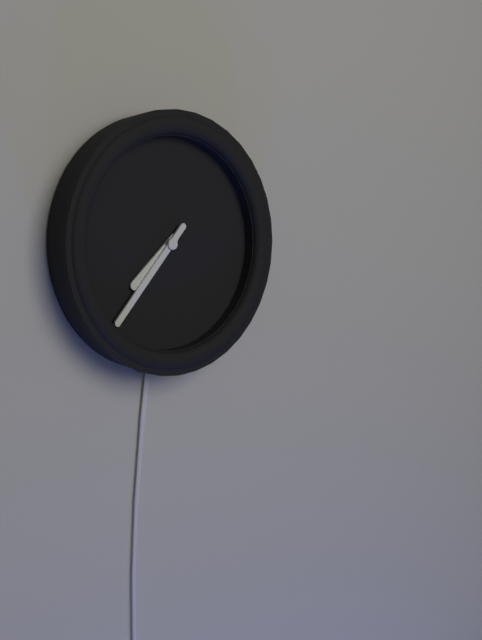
7h37
